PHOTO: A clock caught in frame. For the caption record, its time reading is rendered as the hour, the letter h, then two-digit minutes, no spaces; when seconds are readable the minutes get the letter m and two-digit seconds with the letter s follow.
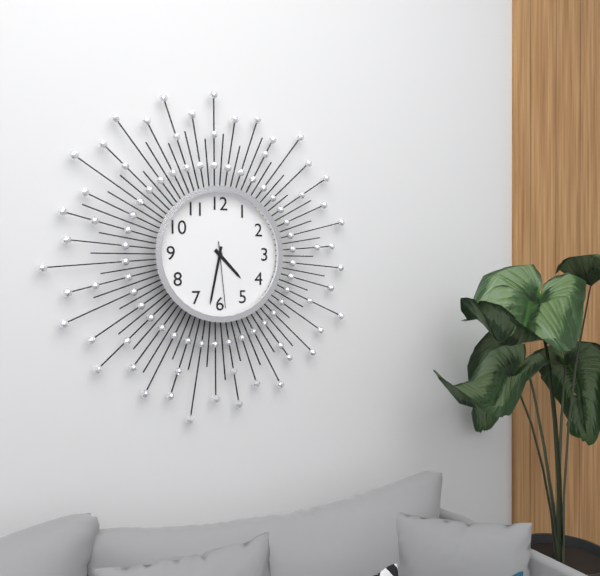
4h32m29s
